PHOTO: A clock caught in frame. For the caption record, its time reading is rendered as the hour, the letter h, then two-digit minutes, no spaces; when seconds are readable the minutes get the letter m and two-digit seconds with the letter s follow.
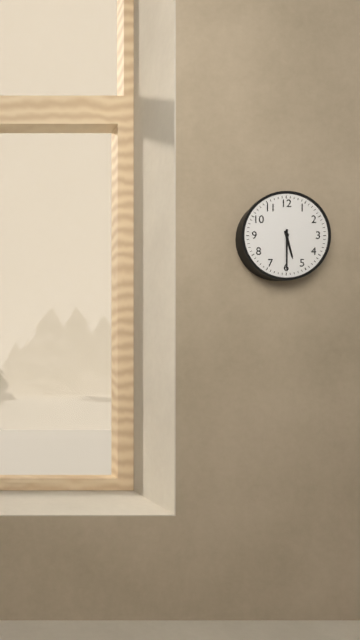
5h30
